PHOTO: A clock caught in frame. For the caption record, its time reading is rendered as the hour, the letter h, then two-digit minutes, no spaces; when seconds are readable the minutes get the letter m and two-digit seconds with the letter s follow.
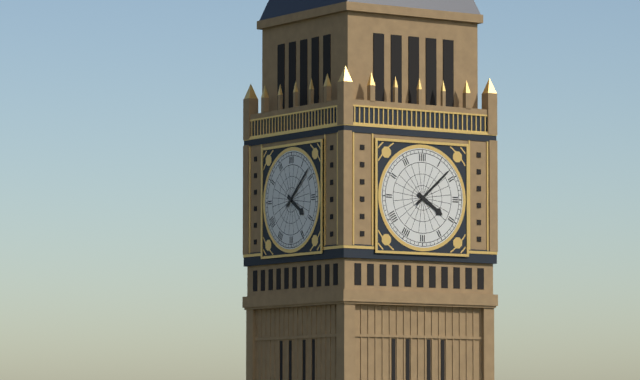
4h08
